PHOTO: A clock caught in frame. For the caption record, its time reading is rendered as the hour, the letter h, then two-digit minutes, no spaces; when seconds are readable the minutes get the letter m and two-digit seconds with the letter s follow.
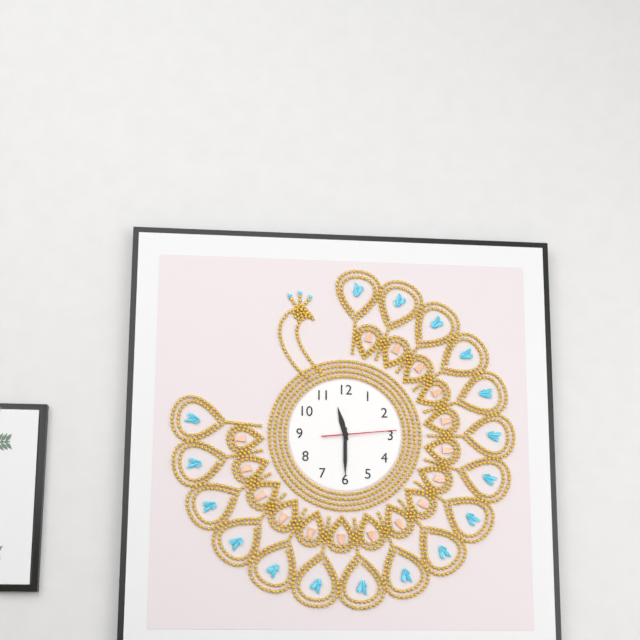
11h30m14s
